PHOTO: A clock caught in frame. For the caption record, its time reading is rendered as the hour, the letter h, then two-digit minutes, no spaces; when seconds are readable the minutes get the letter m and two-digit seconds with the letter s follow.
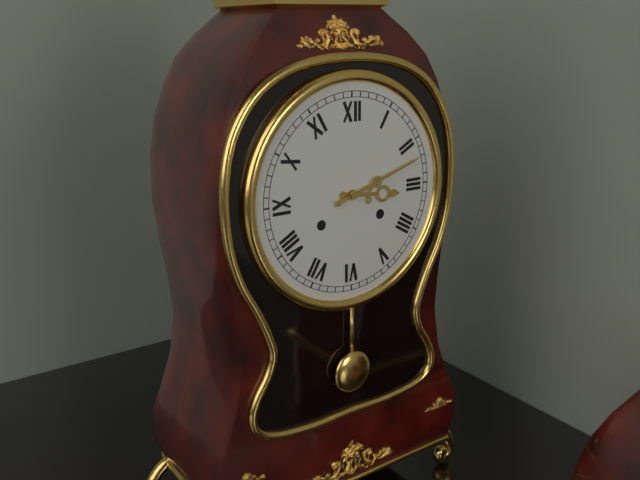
3h12
